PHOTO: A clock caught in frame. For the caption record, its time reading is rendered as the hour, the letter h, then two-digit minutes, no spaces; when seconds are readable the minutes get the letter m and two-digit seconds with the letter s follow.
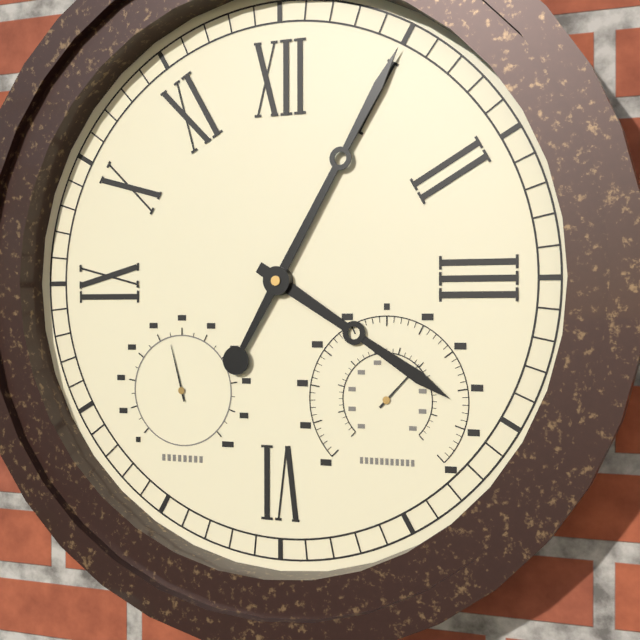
4h05
